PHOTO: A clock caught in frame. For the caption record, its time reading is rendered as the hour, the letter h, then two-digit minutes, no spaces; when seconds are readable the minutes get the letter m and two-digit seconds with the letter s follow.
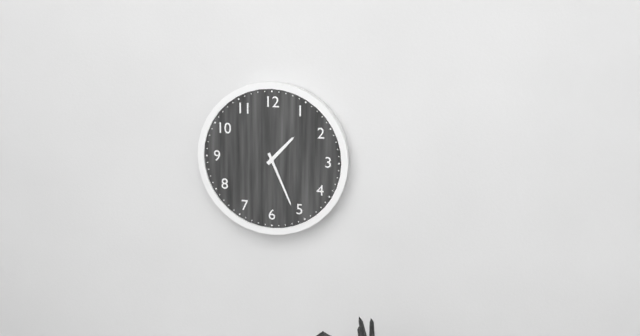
1h26
